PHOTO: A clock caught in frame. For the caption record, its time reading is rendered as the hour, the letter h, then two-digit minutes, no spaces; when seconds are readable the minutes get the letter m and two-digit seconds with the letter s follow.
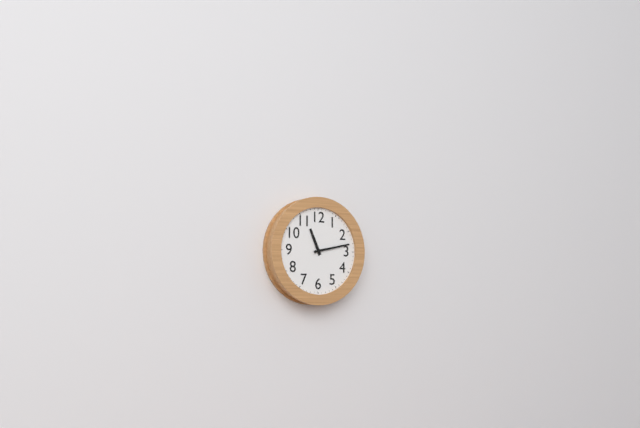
11h13
